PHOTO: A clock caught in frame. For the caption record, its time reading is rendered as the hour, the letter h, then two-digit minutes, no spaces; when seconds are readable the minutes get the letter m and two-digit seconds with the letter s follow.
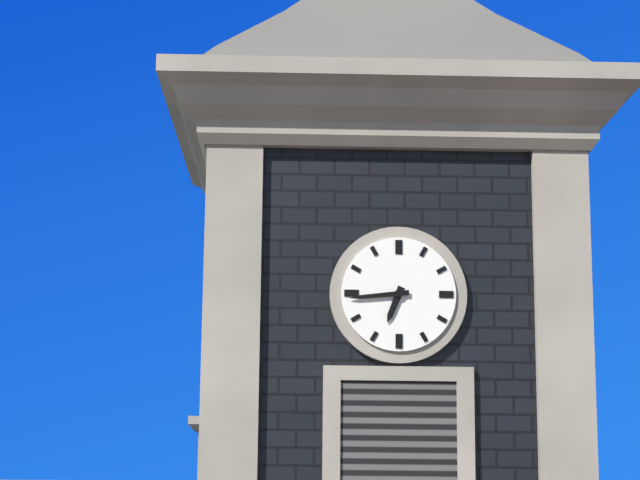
6h44
